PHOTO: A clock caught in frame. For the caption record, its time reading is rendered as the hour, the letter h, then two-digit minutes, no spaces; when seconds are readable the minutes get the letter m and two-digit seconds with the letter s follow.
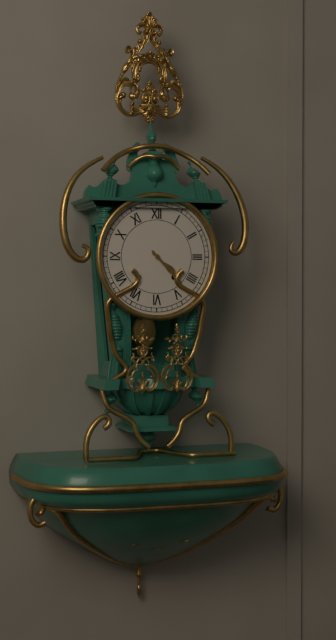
4h23
